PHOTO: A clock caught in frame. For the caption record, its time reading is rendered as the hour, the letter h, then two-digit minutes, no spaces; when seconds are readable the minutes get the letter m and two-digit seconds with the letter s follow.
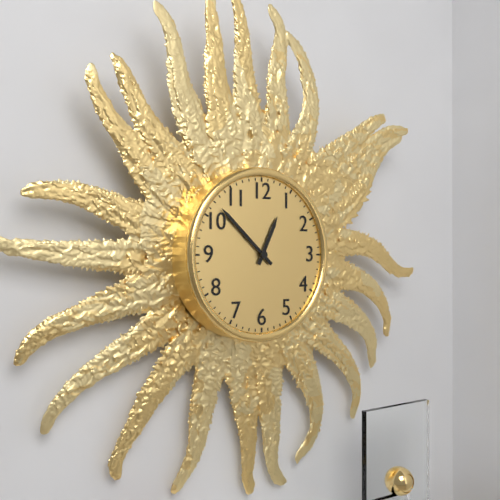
12h52
